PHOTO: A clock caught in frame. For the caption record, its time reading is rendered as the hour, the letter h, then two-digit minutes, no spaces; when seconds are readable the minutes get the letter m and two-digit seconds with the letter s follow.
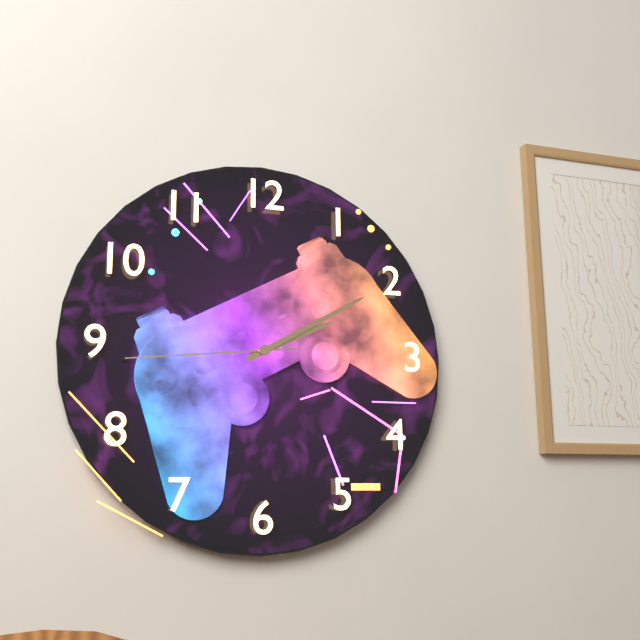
2h10m44s
